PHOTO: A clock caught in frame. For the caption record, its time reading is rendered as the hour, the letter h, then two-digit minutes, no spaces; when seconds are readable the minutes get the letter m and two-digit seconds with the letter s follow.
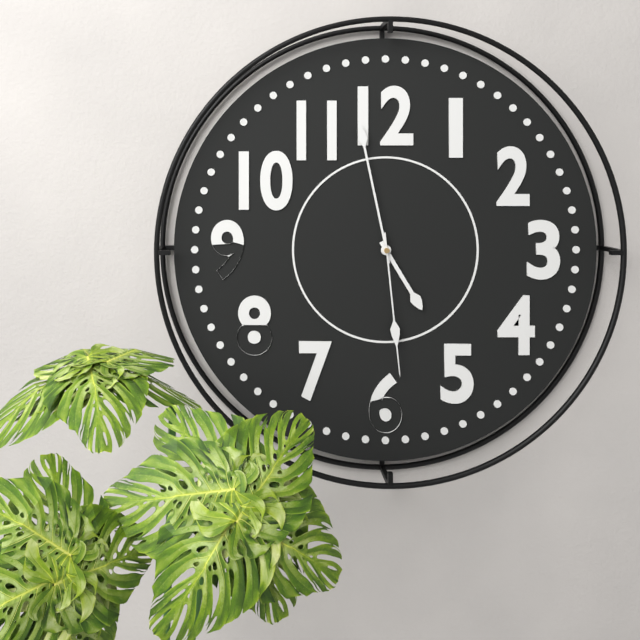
4h58m29s
